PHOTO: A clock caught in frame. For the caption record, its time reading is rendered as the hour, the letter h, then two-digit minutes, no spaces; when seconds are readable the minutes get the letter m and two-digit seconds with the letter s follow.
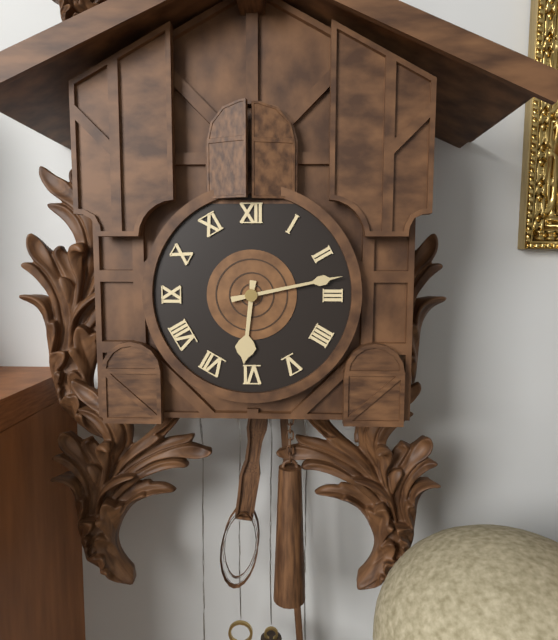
6h13
